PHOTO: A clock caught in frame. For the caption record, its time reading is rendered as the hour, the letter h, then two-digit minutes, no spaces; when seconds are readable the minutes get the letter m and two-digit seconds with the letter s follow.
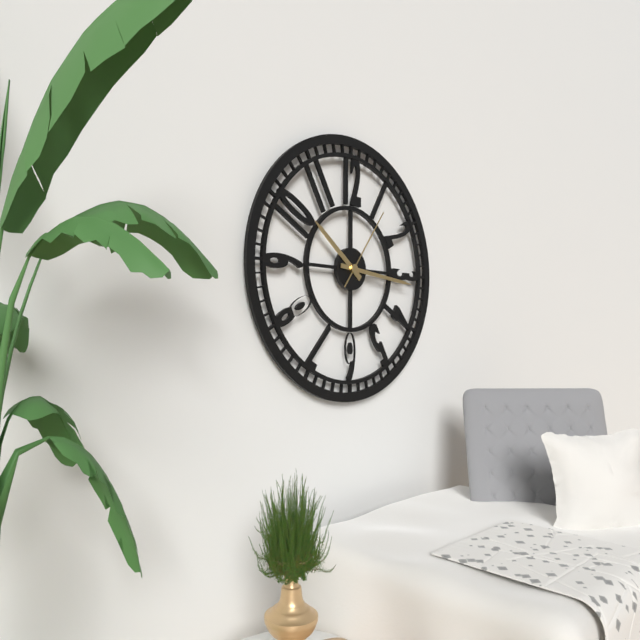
10h16m06s
